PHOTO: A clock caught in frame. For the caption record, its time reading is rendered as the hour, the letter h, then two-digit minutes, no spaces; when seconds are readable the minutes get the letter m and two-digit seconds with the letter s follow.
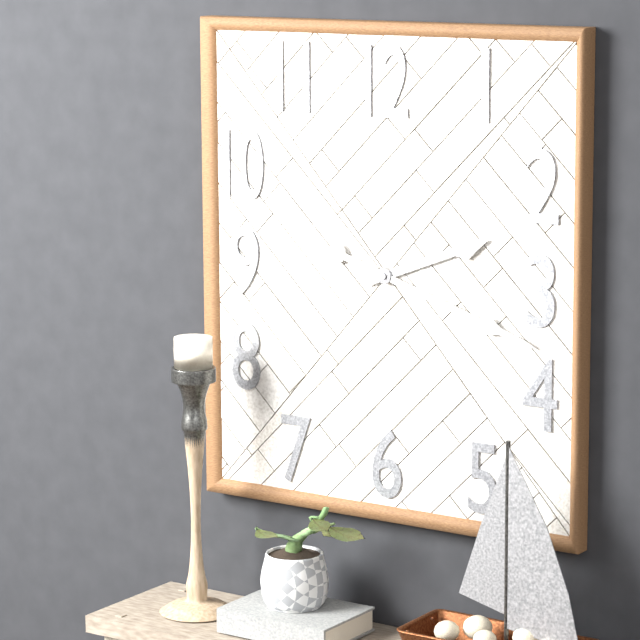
2h18
